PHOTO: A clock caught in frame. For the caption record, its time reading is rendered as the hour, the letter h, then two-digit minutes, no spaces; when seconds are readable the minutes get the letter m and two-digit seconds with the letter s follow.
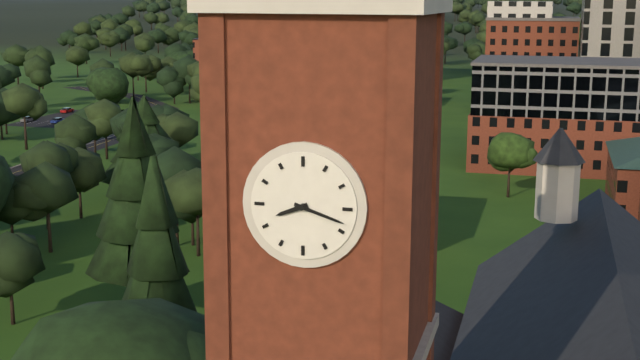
8h18
